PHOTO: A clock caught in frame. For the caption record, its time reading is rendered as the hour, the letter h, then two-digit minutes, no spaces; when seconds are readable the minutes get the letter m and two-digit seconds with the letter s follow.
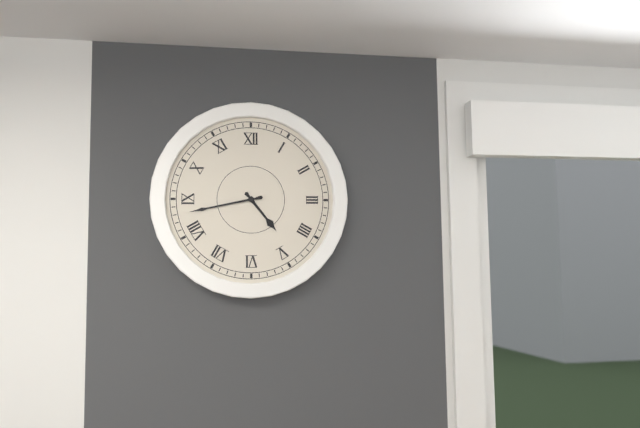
4h43
